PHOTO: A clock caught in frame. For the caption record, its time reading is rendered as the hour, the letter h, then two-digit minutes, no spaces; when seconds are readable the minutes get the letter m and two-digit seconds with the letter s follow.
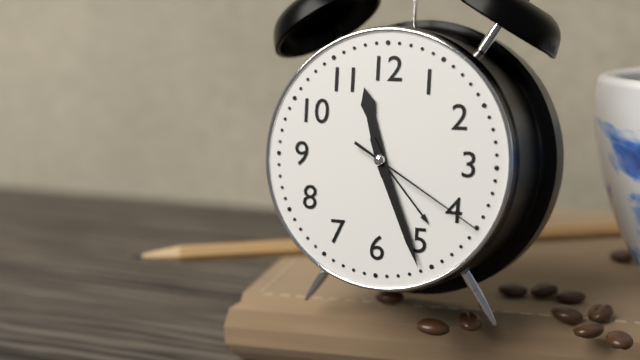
11h26m20s
